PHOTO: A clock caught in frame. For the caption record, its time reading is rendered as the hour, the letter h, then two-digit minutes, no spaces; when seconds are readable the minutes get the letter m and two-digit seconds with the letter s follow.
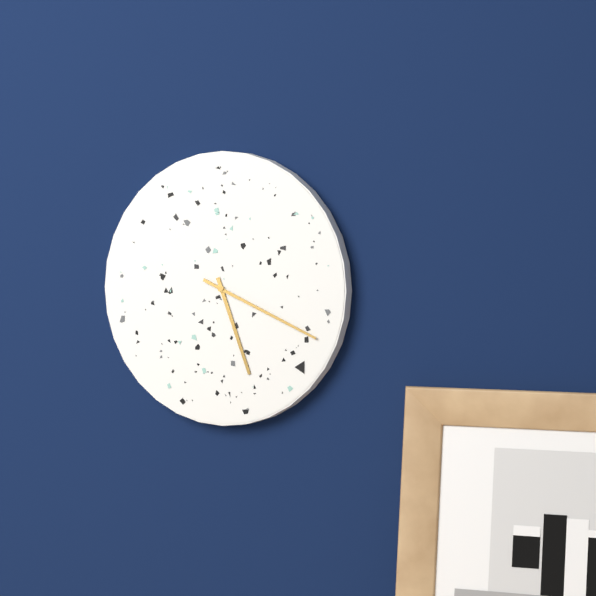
5h19
